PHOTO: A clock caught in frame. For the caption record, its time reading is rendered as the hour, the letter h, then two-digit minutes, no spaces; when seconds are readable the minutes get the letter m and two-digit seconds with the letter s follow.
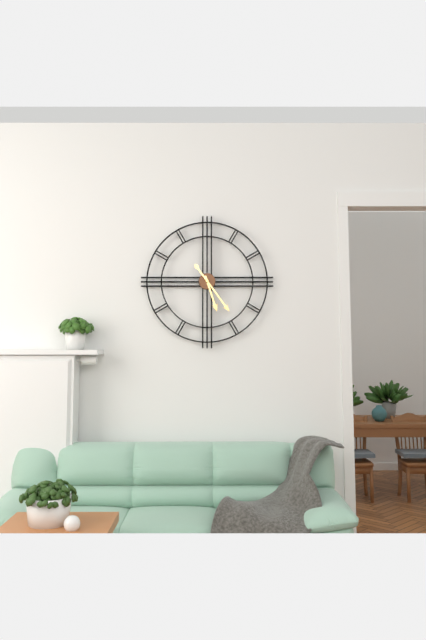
5h24
